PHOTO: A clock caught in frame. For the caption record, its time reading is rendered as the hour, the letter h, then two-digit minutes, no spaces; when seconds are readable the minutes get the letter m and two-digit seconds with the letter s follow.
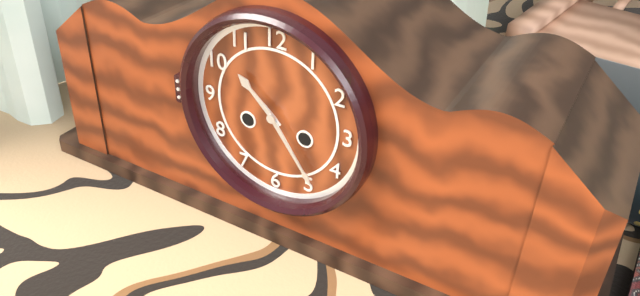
10h24
